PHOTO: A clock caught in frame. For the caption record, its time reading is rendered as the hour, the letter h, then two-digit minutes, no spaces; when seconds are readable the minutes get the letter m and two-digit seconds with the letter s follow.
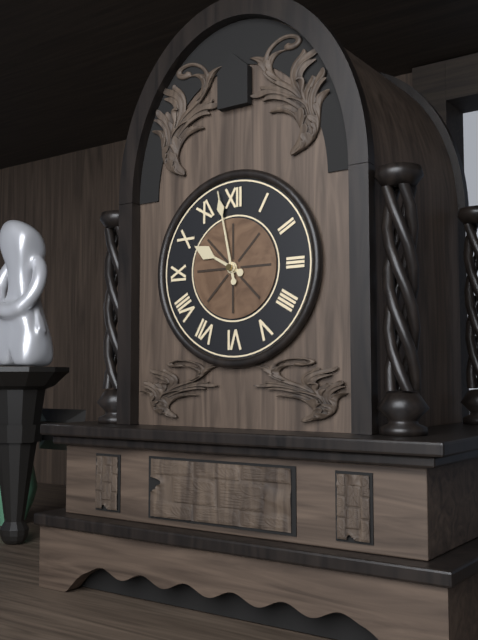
9h58
